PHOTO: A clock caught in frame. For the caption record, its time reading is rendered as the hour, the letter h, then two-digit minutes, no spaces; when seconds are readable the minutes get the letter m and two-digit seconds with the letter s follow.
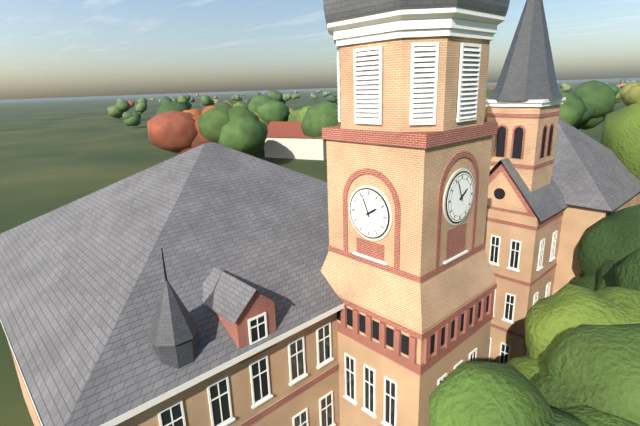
1h56
